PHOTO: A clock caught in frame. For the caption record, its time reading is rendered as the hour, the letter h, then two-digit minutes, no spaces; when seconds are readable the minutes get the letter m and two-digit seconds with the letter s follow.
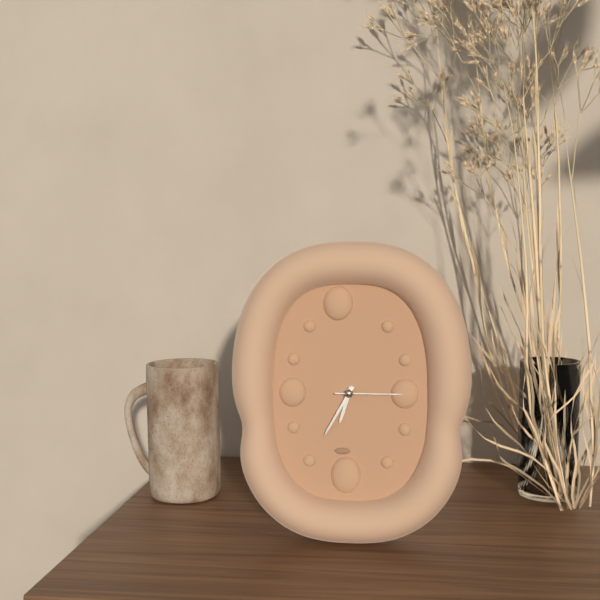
6h35m15s
